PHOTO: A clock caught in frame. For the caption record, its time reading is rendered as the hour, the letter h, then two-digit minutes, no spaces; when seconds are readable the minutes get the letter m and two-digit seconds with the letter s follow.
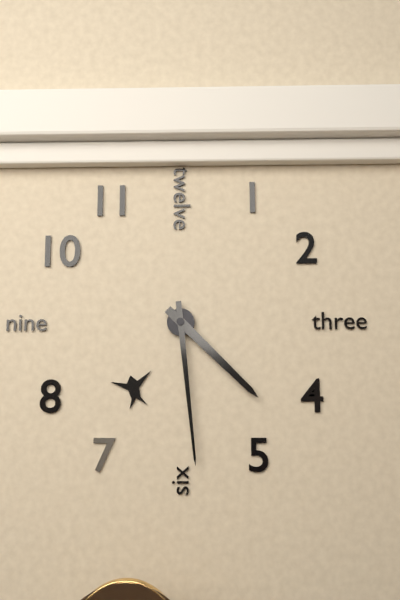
4h29
